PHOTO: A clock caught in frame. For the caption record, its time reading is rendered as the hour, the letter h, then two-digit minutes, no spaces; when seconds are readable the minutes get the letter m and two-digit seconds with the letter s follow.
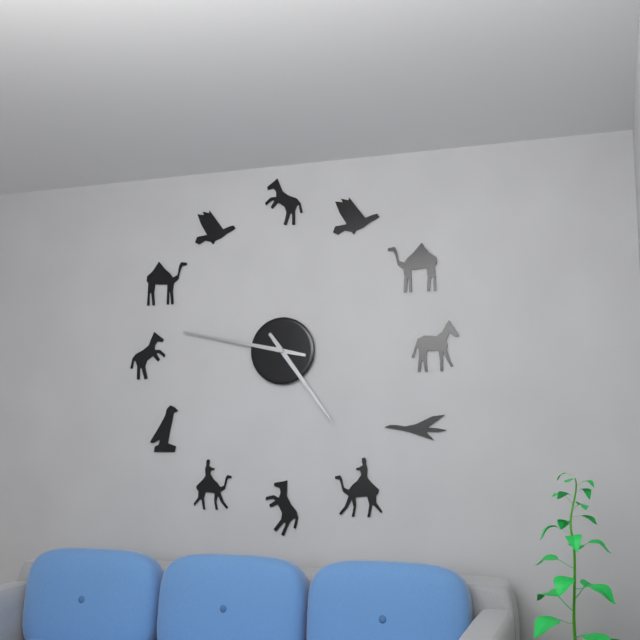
4h47
